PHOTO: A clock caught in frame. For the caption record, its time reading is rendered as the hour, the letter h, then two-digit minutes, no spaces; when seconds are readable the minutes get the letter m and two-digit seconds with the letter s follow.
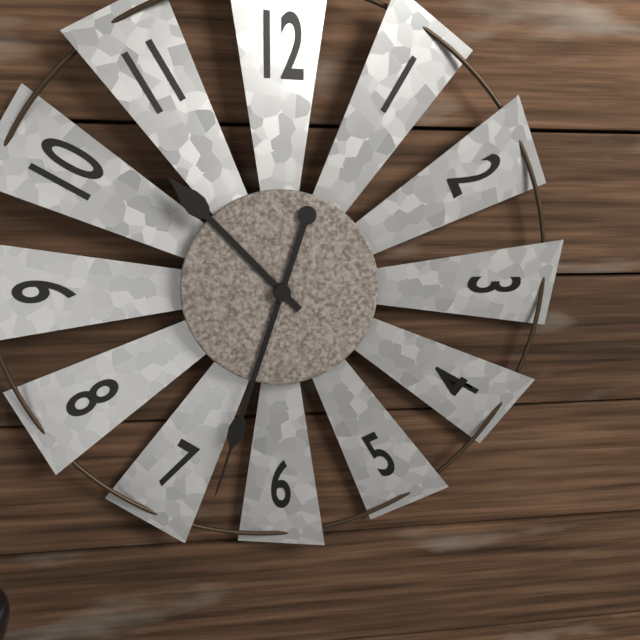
10h33
